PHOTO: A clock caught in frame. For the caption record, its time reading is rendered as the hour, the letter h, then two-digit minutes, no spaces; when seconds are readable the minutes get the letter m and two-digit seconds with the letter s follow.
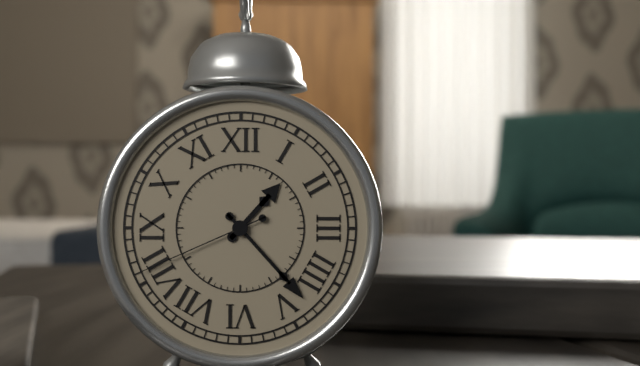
1h23m41s
